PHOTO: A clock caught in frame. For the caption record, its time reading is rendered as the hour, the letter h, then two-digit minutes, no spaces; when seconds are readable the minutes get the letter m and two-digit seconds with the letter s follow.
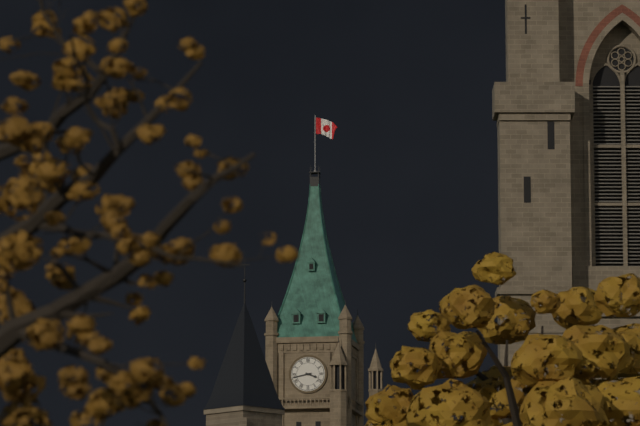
3h43
